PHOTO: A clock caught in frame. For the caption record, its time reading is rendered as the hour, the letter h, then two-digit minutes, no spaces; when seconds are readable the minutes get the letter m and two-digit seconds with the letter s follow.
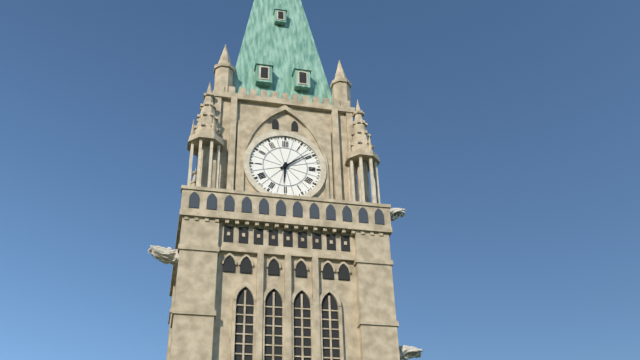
6h09
